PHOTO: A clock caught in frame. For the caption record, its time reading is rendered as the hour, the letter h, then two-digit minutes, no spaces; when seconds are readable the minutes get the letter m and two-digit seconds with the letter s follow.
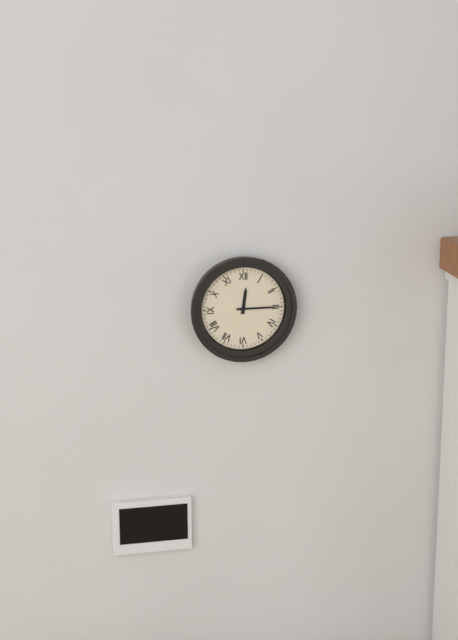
12h15
